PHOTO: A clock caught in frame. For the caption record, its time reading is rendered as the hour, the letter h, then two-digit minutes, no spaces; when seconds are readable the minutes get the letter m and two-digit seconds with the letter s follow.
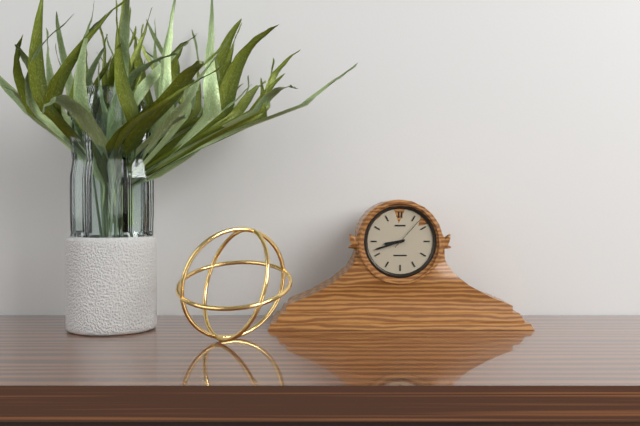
8h42
